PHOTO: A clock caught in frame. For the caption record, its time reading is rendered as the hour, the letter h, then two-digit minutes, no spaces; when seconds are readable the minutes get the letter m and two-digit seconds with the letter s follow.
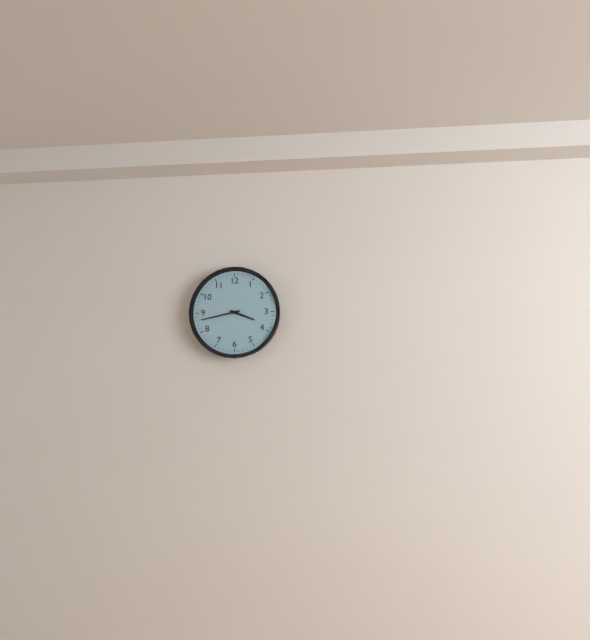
3h43
